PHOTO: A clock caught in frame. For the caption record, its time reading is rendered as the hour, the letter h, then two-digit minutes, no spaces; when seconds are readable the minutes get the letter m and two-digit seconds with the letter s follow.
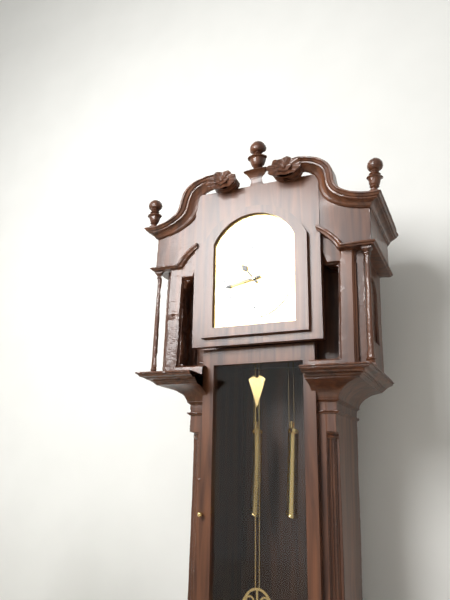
10h43
